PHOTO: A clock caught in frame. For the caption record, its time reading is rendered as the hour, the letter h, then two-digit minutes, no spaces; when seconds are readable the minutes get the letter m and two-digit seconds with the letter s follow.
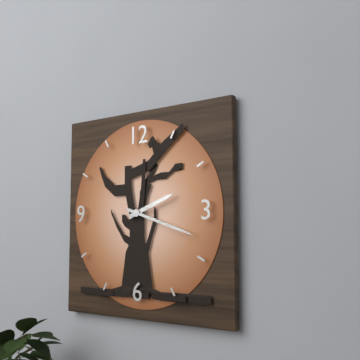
2h18
